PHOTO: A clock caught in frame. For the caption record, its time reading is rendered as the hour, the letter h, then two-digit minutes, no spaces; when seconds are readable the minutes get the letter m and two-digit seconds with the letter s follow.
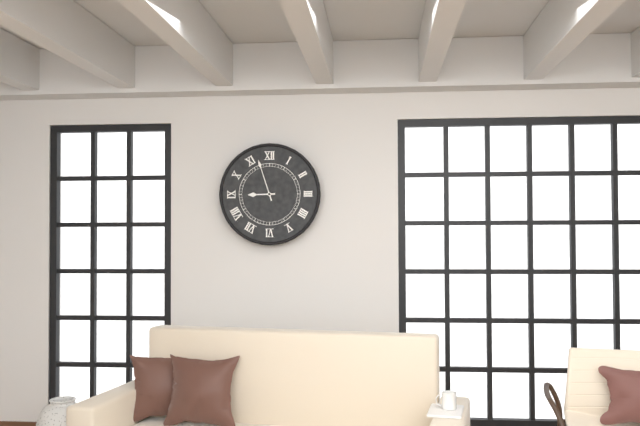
8h57
